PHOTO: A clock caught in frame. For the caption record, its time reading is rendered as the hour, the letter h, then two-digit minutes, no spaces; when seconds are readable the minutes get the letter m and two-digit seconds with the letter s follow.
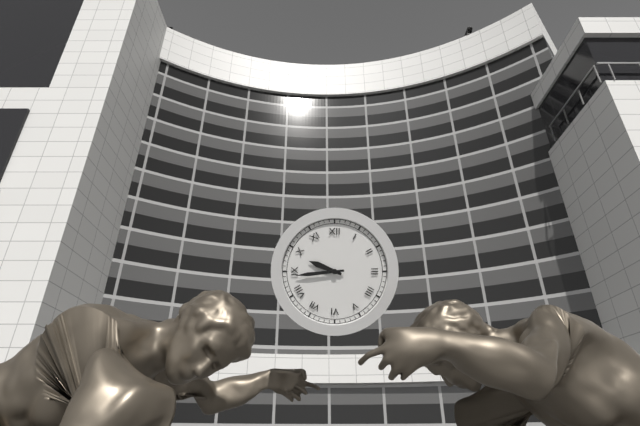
9h44
